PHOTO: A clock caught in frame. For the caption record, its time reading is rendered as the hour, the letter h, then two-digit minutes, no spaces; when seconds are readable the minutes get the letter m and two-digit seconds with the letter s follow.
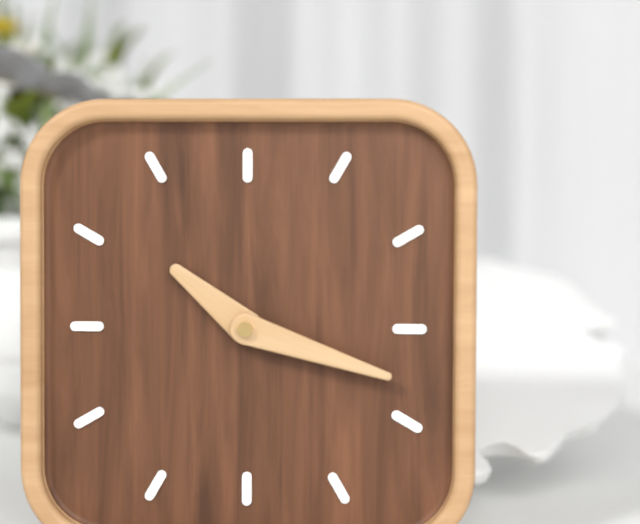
10h18
